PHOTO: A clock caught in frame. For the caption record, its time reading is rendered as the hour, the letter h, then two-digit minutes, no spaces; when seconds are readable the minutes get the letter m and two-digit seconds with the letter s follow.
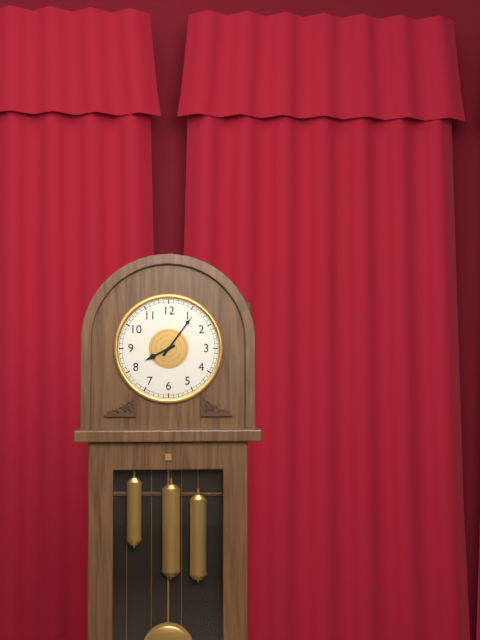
8h06
